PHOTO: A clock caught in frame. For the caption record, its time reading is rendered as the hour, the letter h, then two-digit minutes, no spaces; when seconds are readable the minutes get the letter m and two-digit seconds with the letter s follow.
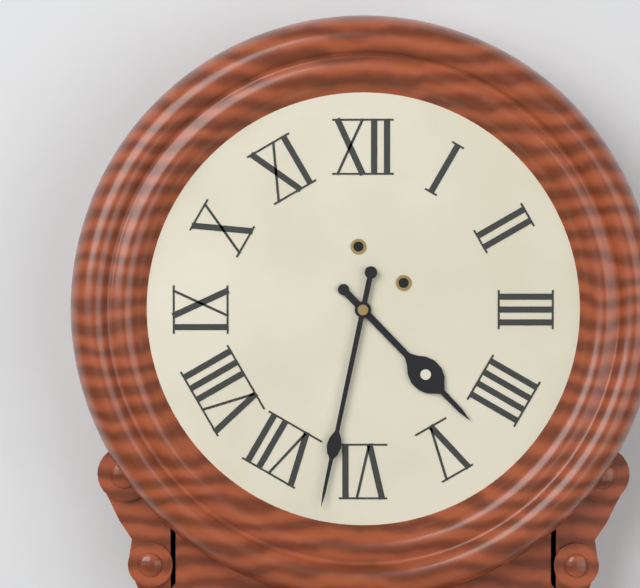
4h32
